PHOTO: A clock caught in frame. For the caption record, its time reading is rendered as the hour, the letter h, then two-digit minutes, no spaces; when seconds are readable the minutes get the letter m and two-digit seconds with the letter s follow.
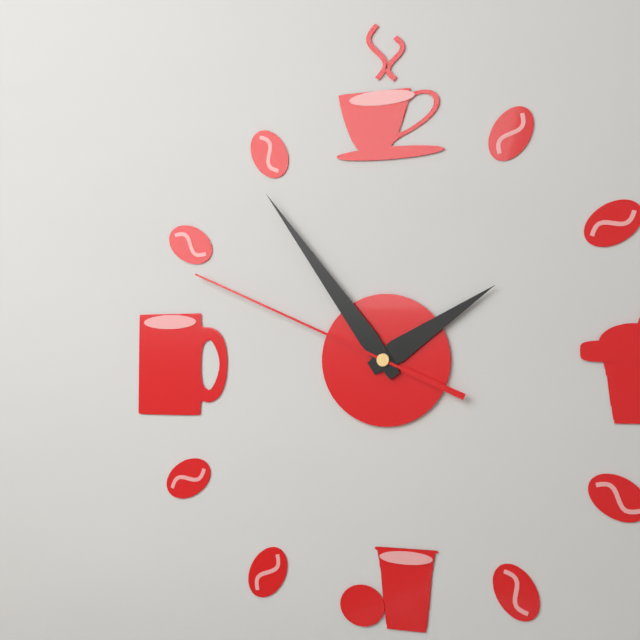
1h54m49s
